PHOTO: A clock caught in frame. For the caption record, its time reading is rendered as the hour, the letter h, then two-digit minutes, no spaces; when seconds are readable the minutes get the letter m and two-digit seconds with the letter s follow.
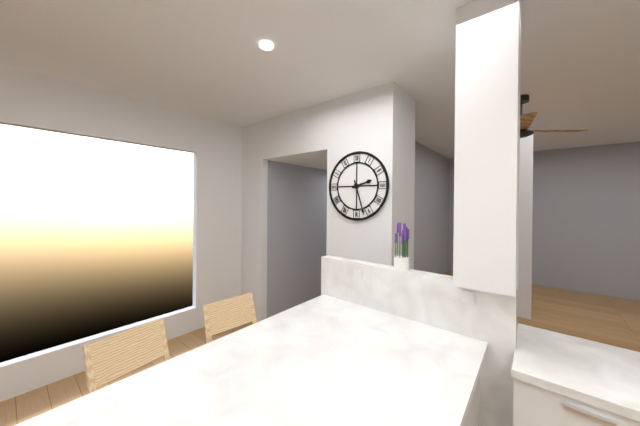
2h27
